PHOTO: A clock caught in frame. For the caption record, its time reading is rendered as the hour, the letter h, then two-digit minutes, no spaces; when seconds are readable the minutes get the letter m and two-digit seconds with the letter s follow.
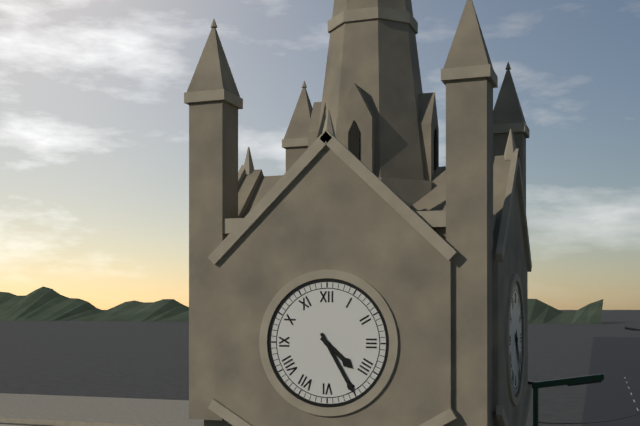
4h25
